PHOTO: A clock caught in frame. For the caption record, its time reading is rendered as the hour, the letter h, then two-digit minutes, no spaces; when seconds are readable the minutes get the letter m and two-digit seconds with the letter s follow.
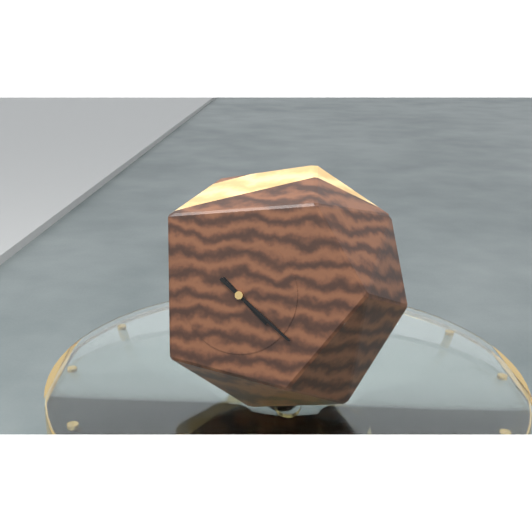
4h21
